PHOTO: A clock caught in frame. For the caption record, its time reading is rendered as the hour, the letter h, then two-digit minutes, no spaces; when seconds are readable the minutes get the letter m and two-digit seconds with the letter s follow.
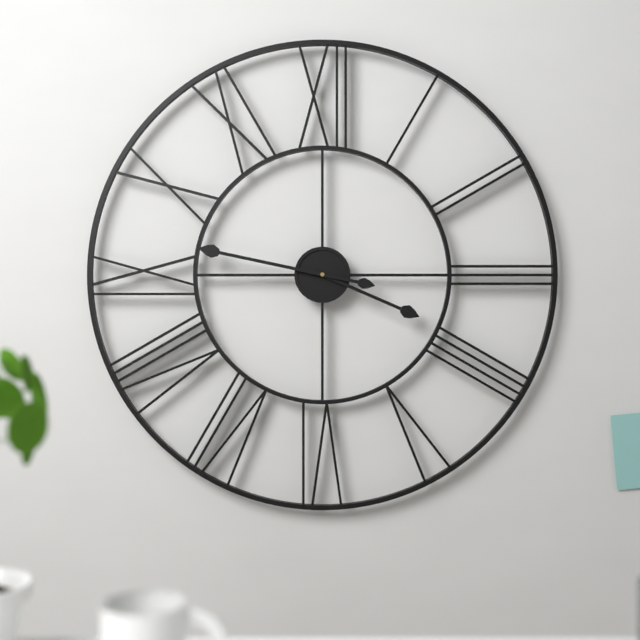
3h47
